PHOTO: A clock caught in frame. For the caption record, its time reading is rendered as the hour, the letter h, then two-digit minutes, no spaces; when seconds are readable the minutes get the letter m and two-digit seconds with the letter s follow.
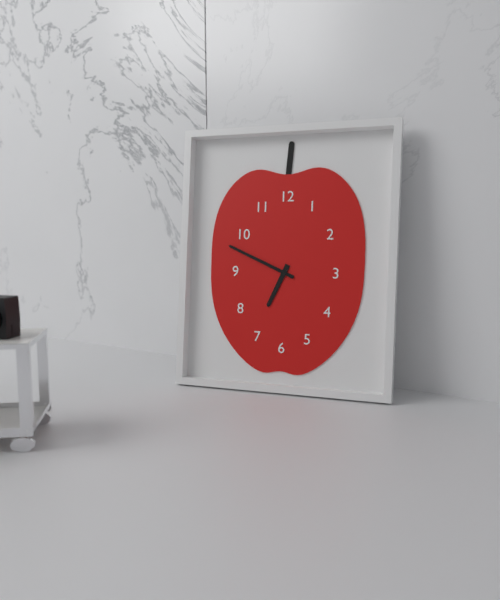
6h49
